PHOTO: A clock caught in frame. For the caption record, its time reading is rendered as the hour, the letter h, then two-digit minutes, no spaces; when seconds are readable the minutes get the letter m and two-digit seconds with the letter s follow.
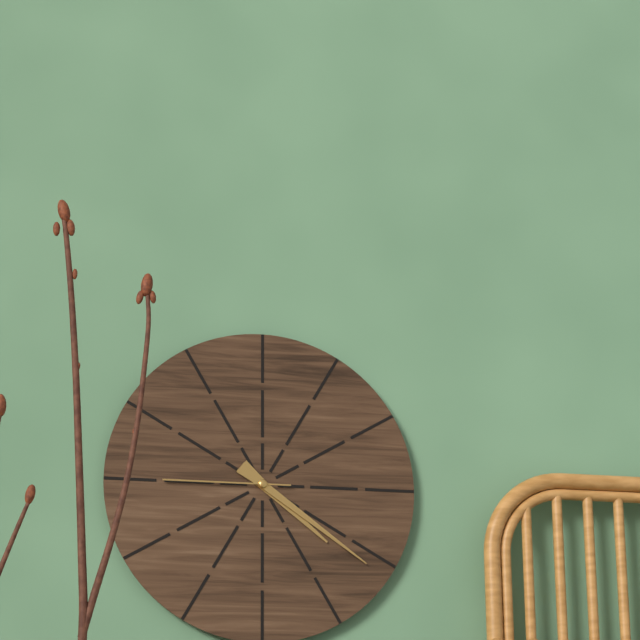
4h21m45s
